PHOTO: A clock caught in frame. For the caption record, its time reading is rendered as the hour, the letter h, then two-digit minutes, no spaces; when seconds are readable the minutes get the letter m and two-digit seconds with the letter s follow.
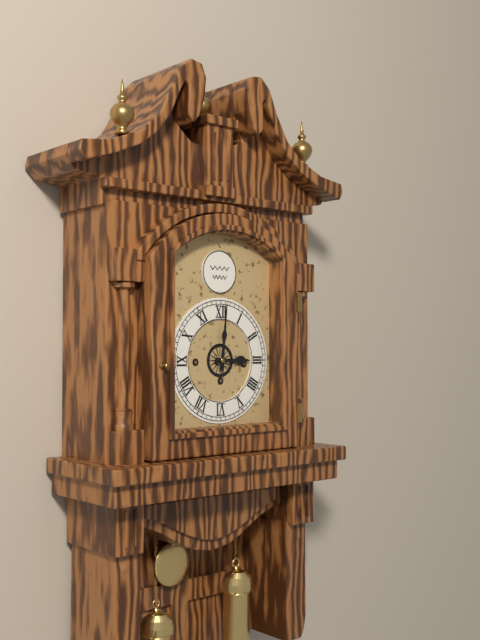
3h01
